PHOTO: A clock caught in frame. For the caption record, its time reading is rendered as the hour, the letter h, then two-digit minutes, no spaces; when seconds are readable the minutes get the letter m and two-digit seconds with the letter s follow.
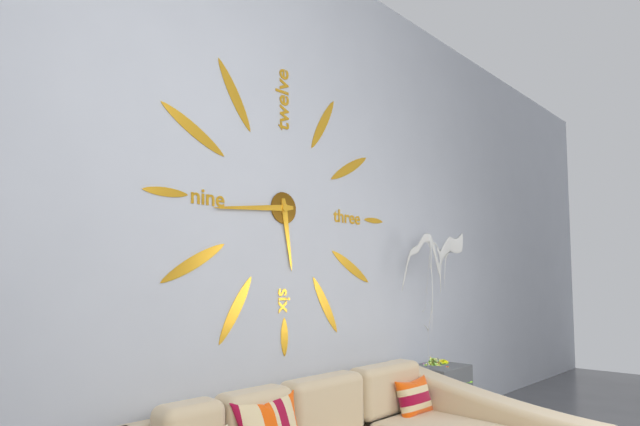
5h44
